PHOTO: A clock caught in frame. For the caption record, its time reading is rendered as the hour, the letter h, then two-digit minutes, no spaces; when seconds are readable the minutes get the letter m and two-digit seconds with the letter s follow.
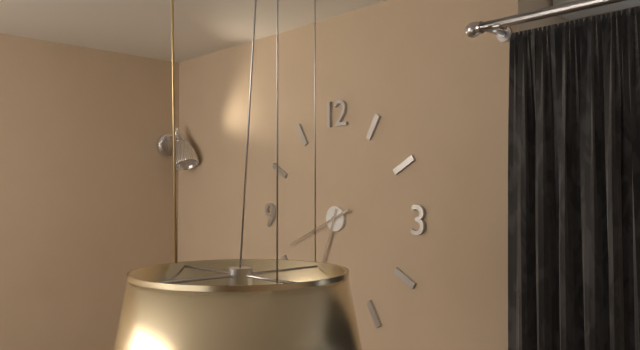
6h41
